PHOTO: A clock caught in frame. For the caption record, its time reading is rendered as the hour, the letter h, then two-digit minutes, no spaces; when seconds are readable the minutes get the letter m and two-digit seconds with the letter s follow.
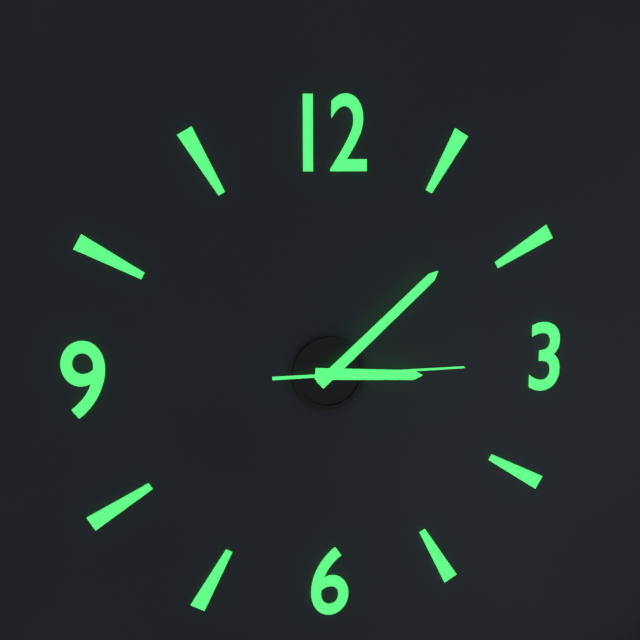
3h08m15s
